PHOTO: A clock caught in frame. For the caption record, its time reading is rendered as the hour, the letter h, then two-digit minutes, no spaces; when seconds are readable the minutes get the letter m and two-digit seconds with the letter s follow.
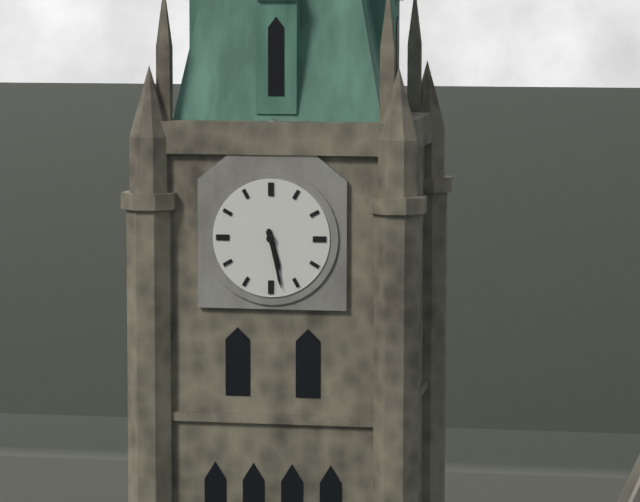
5h28
